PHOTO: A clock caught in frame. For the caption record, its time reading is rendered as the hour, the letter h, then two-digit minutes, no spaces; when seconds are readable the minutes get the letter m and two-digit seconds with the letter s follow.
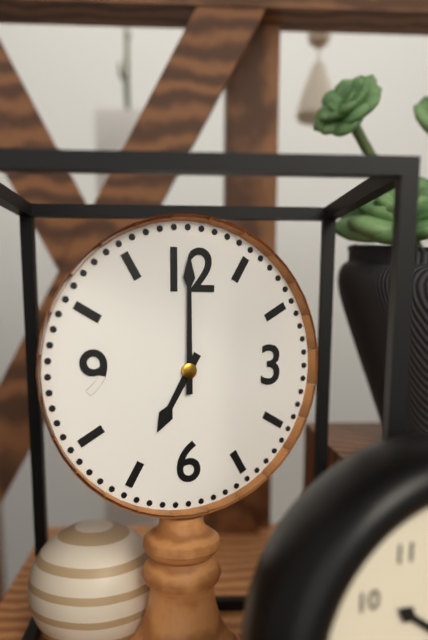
7h00
